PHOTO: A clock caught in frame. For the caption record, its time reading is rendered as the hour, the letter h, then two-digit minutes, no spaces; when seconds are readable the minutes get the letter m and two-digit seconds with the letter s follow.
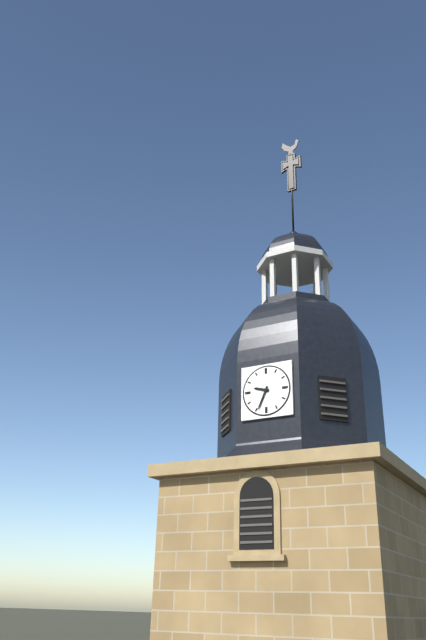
9h34
